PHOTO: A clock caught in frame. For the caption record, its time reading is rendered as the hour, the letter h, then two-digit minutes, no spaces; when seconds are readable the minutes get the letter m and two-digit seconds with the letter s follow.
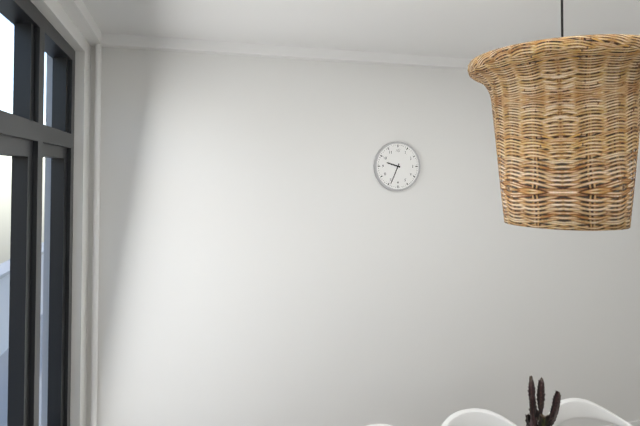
9h34
